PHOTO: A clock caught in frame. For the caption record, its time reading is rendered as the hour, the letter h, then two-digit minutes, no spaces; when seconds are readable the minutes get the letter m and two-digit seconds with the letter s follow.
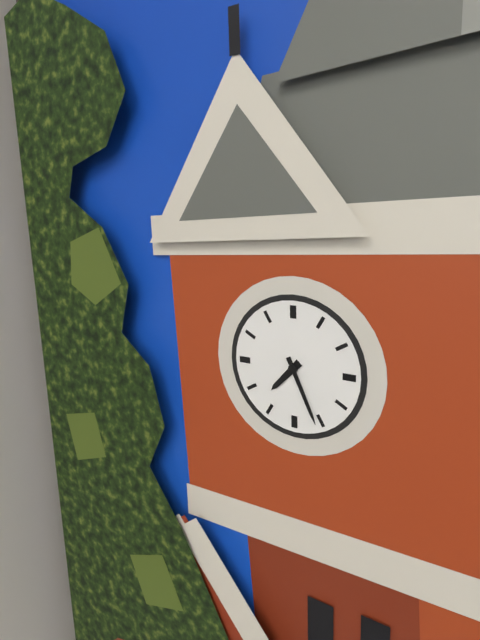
7h26
